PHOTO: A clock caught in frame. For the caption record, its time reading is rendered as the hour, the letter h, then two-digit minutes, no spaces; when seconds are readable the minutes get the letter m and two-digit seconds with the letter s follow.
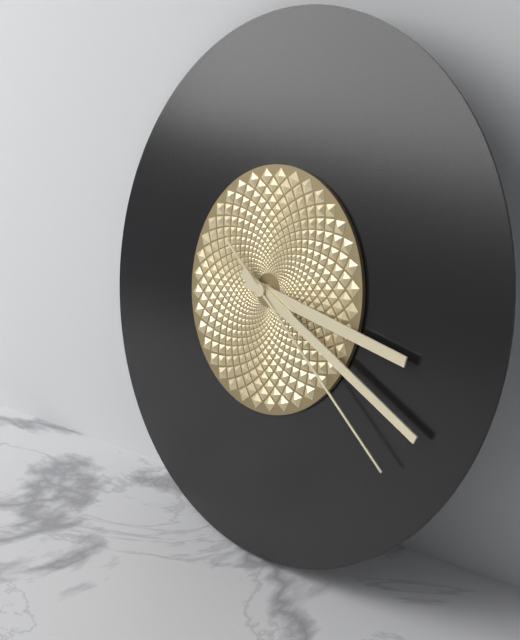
3h19m21s
